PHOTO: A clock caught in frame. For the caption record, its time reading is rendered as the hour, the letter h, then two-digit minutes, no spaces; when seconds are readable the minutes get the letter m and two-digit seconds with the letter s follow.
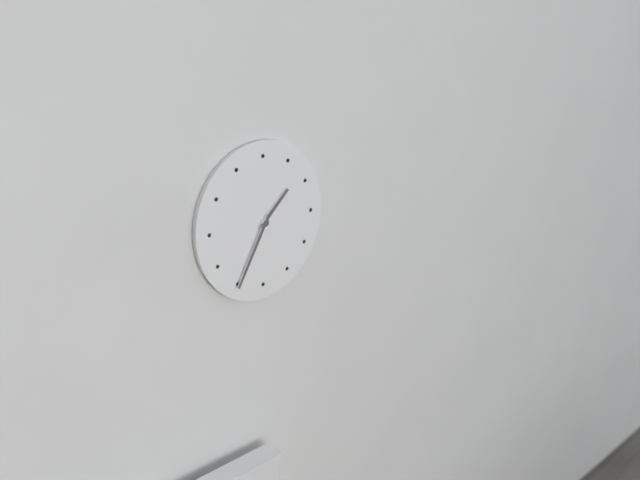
1h35
